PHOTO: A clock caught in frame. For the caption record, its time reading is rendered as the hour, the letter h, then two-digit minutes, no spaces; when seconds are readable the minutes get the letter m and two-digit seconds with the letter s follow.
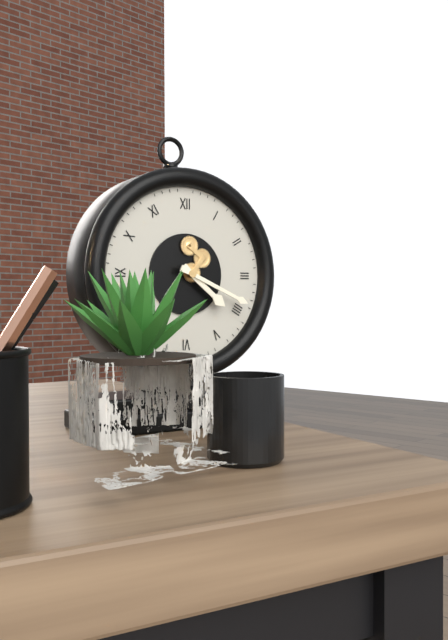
4h19
